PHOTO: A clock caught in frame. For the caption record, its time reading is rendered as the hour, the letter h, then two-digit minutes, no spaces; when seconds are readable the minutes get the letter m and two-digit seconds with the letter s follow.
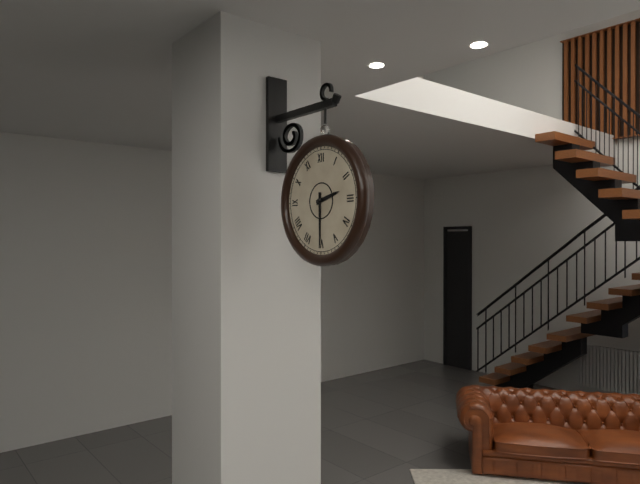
2h30
